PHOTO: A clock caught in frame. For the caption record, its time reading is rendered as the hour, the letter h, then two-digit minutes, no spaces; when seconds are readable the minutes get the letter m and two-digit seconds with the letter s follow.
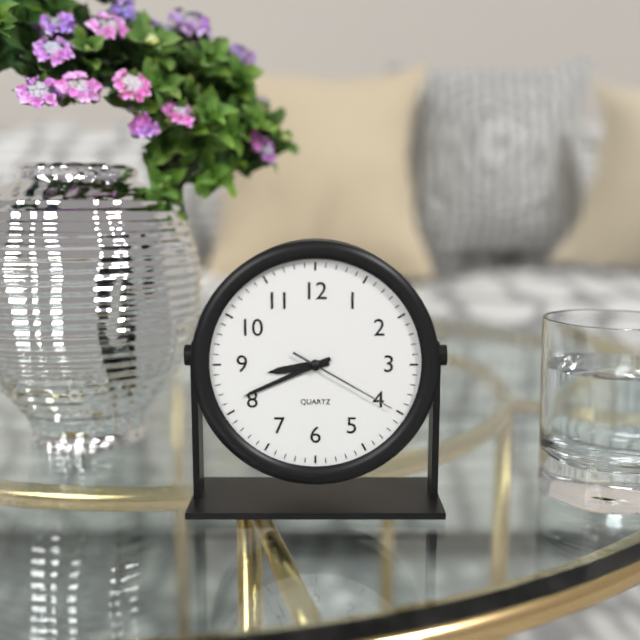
8h41m20s
